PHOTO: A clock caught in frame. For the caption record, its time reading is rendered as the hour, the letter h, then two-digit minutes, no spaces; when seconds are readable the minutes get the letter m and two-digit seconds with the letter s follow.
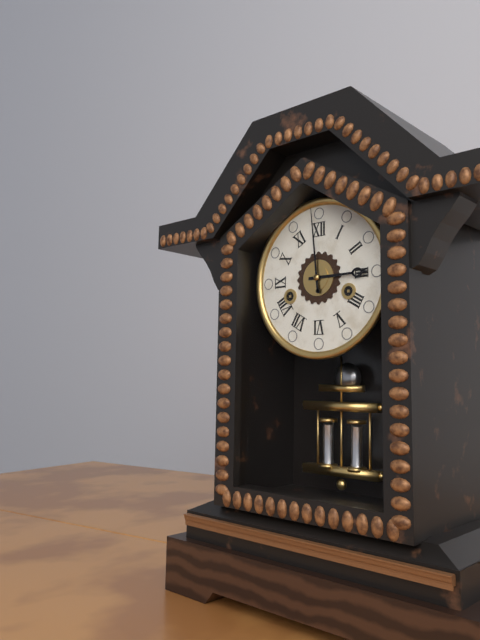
2h59
